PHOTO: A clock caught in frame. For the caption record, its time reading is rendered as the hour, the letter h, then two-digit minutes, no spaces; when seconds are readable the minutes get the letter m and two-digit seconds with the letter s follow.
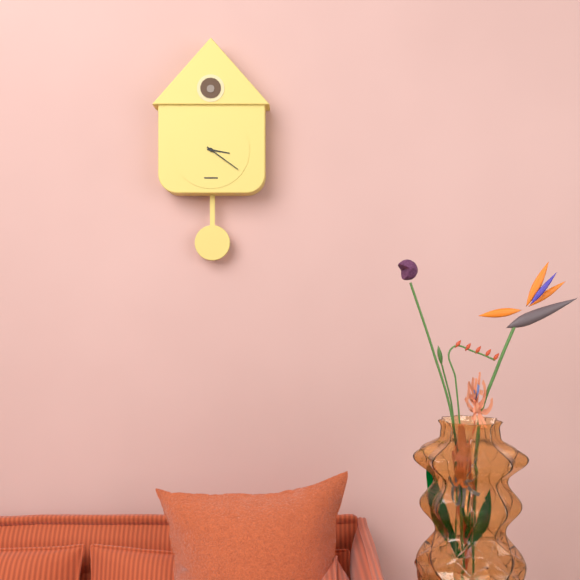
3h21
